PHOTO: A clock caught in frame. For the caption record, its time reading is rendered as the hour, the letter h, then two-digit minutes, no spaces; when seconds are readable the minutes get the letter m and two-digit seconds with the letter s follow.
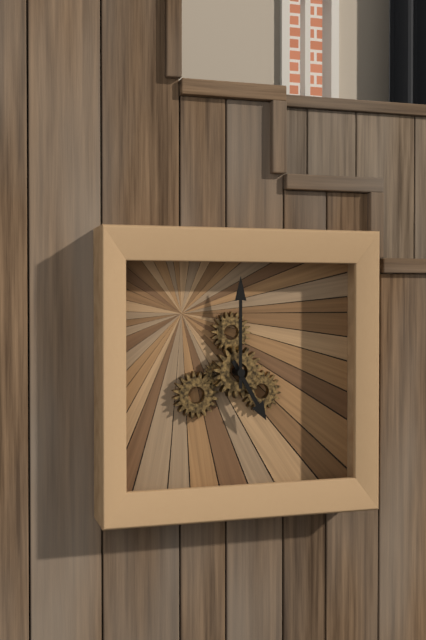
5h00
